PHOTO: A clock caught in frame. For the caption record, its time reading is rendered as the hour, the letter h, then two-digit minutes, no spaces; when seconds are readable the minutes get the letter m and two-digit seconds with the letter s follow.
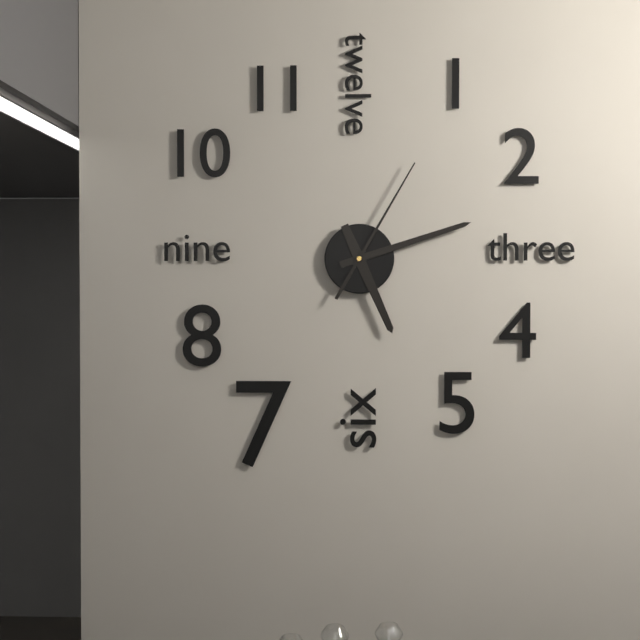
5h12m05s
